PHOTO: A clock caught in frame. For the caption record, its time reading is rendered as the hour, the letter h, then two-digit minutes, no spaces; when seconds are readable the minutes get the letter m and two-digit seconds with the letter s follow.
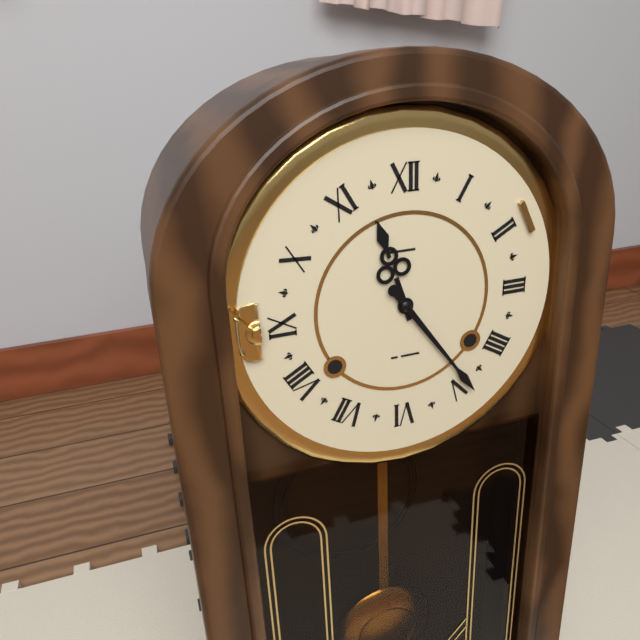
11h24
